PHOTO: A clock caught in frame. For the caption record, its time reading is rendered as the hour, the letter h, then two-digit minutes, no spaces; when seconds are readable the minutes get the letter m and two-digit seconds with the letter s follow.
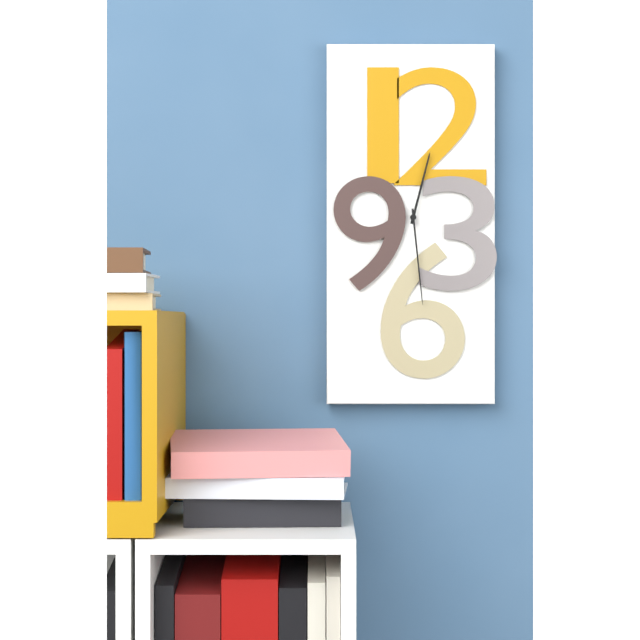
12h29
